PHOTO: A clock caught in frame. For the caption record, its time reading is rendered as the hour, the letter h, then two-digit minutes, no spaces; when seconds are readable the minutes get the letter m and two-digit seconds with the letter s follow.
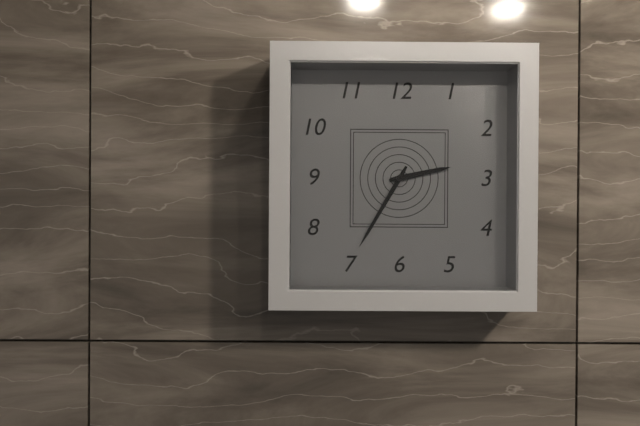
2h35
